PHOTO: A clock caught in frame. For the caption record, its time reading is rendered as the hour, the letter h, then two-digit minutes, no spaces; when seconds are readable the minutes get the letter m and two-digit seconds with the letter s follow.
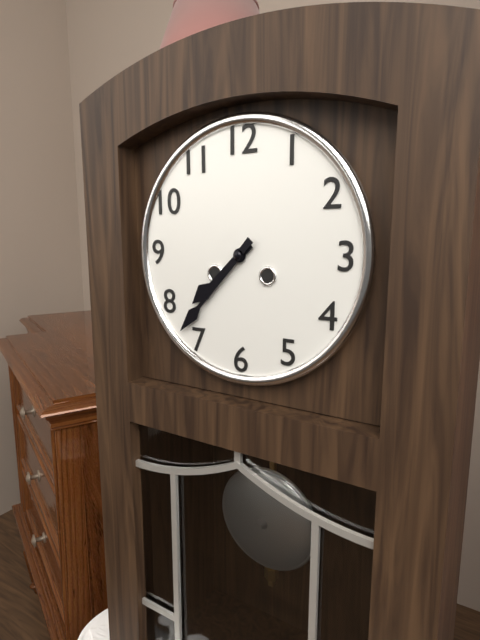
7h37
